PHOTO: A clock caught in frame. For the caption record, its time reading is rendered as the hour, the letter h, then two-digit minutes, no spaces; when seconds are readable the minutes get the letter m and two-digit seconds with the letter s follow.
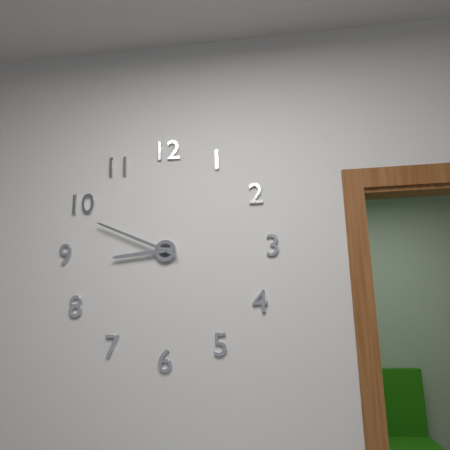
8h49
